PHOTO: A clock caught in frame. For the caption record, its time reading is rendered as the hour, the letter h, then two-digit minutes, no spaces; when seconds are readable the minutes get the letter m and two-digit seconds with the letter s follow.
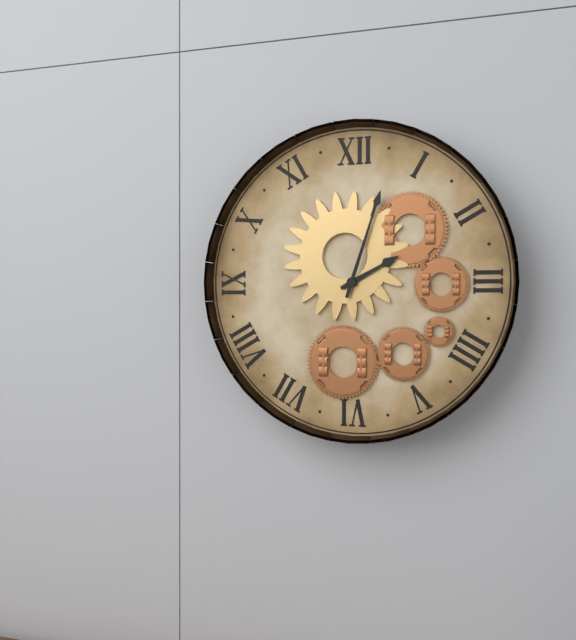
2h03
